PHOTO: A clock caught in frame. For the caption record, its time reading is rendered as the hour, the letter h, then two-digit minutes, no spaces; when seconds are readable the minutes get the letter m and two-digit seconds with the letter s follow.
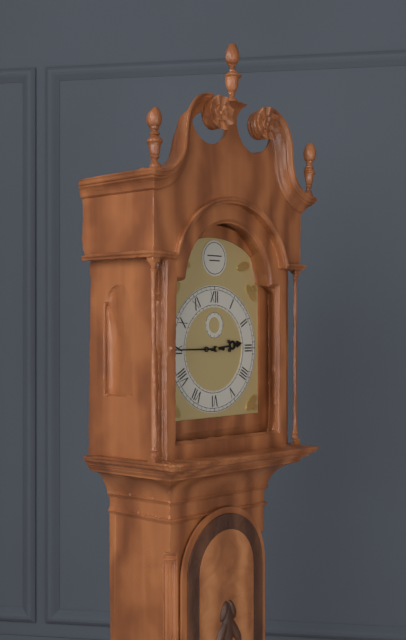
2h45
